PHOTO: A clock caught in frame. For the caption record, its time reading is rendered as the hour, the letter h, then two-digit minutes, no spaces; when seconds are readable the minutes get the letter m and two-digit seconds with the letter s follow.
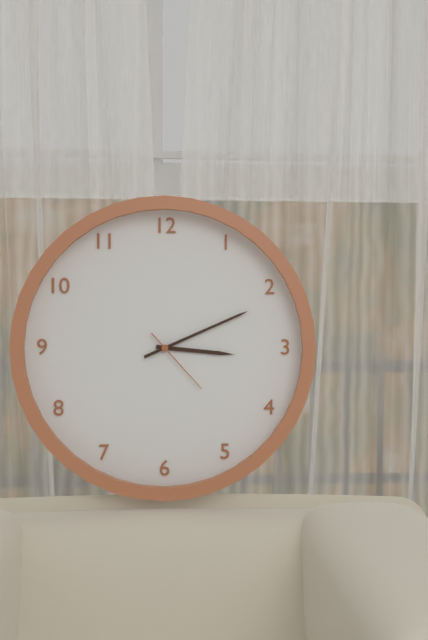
3h11m23s
